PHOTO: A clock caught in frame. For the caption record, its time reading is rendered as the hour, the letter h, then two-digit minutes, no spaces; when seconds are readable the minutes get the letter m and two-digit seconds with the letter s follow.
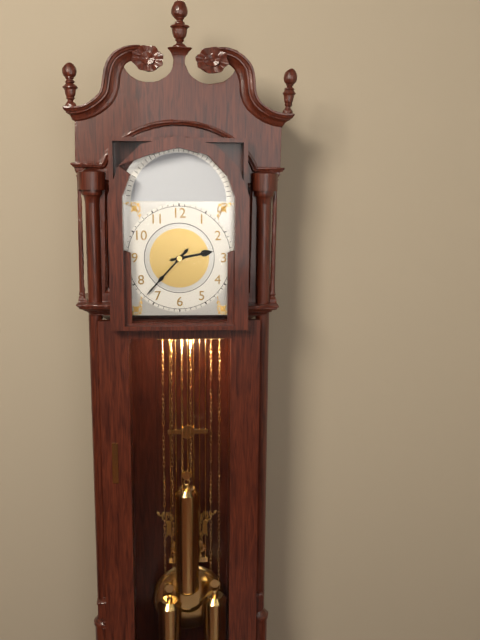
2h37
